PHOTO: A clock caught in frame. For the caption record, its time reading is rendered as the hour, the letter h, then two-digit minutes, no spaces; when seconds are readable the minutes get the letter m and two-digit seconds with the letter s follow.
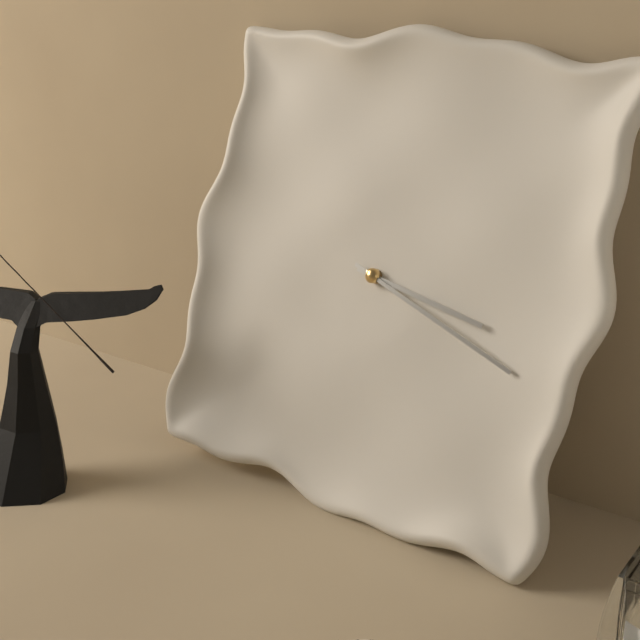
3h18
